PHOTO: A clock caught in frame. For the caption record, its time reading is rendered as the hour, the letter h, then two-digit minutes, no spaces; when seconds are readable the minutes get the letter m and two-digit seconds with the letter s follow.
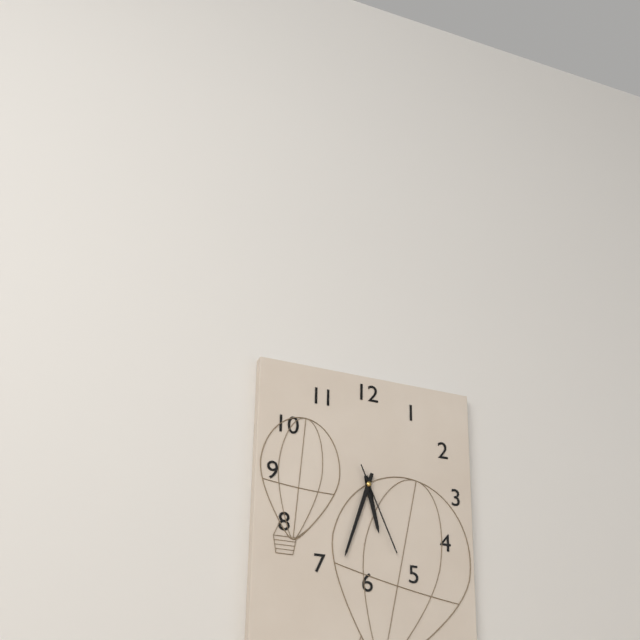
5h33m26s
